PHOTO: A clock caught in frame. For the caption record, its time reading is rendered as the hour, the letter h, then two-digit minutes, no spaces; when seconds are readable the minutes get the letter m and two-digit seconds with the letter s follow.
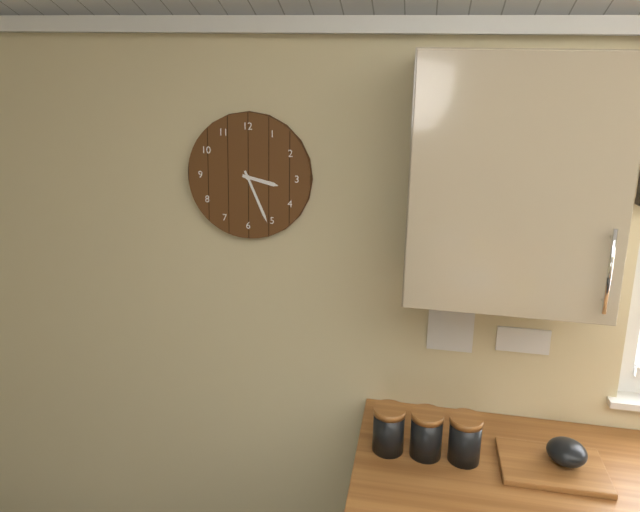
3h26
